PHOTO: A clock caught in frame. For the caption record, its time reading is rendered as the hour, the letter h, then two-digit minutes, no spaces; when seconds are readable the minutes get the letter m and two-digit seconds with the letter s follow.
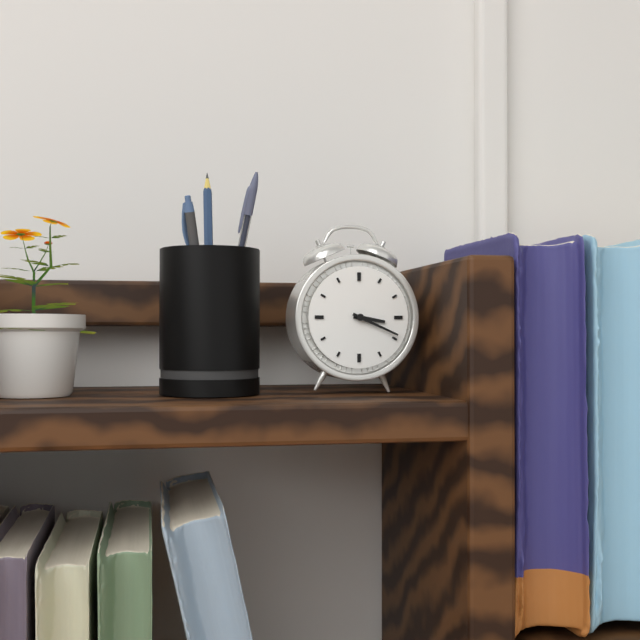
3h19
